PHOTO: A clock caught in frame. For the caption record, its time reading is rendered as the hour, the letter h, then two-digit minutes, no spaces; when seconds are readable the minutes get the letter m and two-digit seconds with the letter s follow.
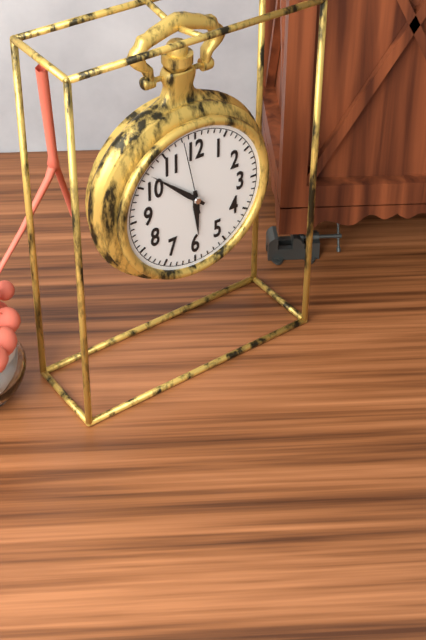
5h52m58s
